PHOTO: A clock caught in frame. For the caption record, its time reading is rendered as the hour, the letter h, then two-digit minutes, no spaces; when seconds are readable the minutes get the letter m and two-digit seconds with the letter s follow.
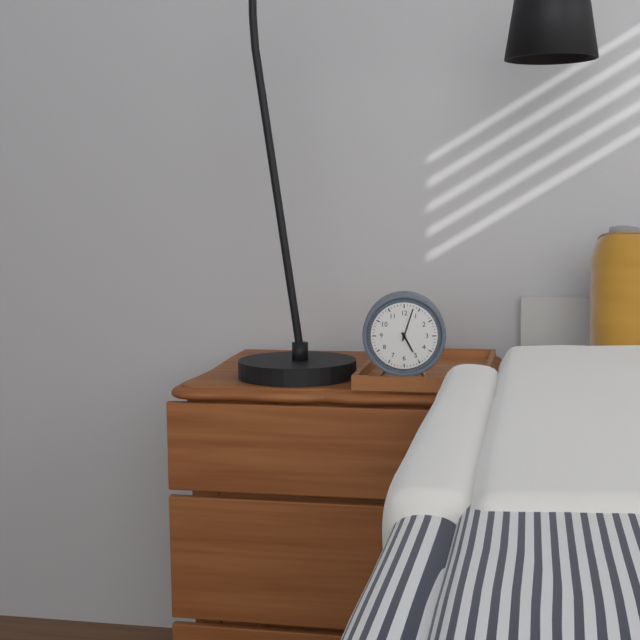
5h03
